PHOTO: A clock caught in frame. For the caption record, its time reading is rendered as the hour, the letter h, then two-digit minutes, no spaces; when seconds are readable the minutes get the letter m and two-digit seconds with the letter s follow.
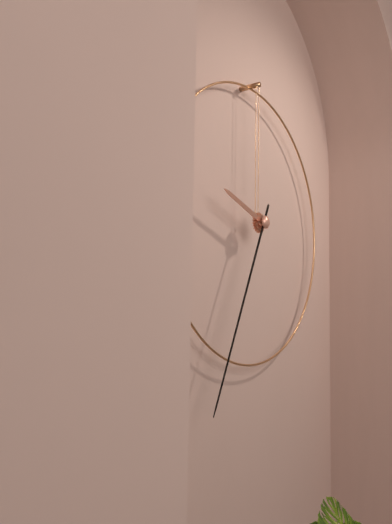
9h34
